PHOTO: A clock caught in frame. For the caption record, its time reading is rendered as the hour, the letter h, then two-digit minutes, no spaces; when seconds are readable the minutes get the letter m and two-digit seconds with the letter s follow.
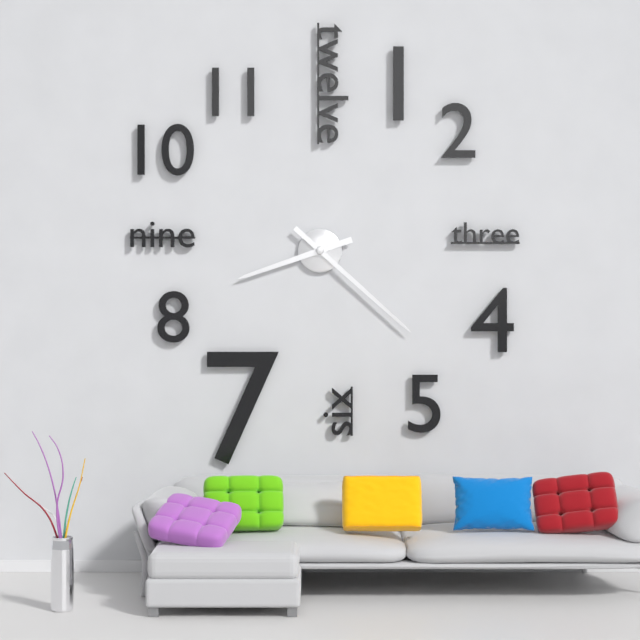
8h22
